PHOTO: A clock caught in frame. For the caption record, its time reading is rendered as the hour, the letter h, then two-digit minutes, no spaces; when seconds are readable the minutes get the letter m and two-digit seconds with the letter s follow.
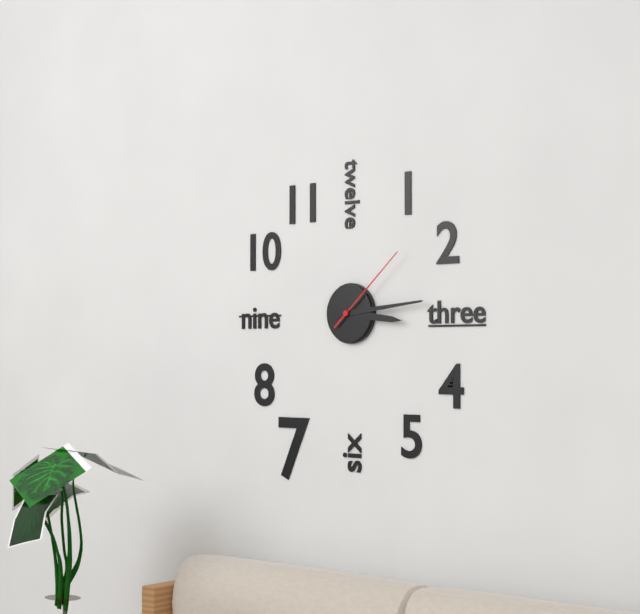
3h14m08s
